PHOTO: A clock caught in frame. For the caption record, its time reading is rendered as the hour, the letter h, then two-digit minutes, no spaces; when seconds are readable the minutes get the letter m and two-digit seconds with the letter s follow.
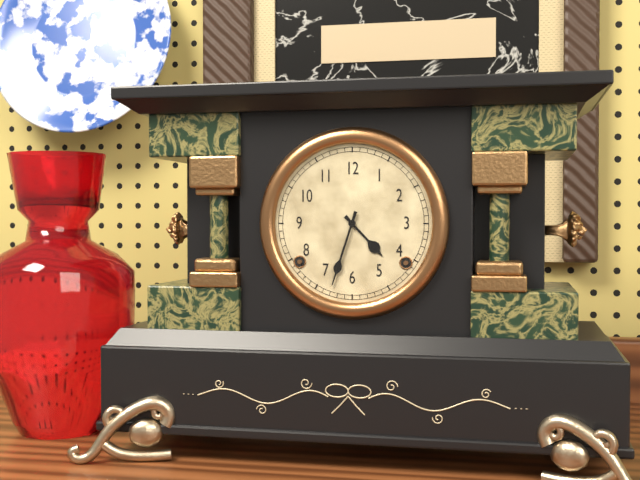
4h33
